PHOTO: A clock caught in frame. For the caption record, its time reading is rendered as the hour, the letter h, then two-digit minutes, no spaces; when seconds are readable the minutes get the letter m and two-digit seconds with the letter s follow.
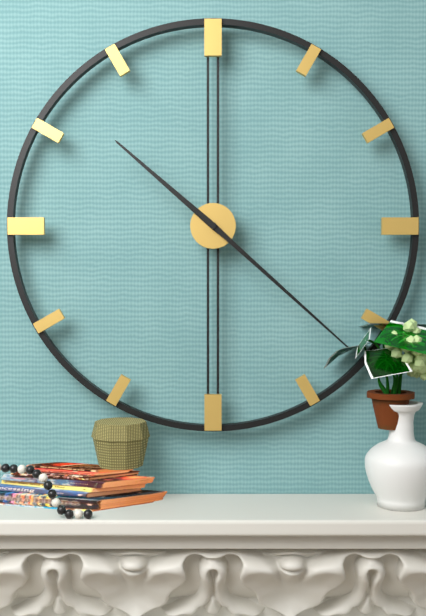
10h22
